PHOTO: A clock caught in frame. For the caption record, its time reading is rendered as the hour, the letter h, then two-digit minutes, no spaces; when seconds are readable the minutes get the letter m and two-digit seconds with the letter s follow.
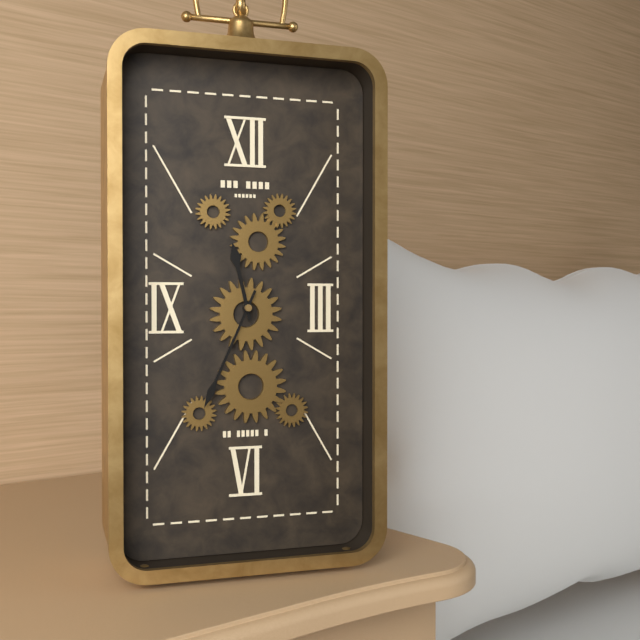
11h34
